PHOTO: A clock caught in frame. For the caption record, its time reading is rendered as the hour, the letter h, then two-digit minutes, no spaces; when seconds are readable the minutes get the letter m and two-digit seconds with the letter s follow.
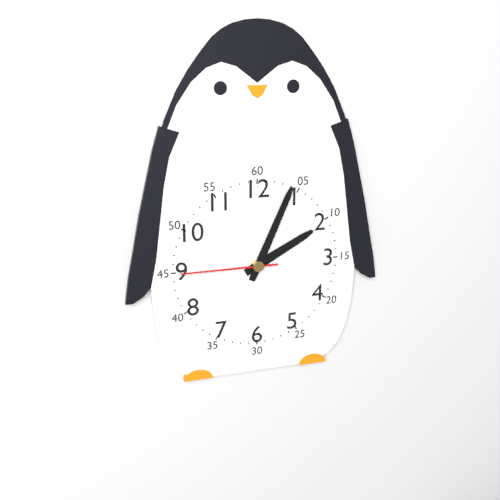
2h04m45s
